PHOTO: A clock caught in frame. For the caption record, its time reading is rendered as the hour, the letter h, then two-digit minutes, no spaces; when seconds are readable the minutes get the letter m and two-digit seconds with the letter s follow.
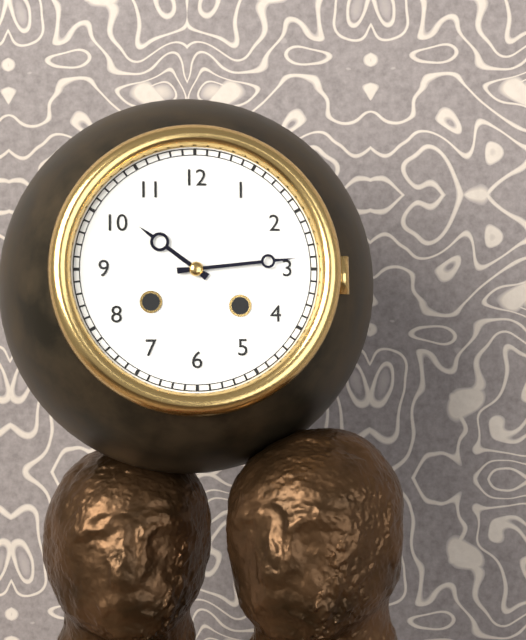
10h14
